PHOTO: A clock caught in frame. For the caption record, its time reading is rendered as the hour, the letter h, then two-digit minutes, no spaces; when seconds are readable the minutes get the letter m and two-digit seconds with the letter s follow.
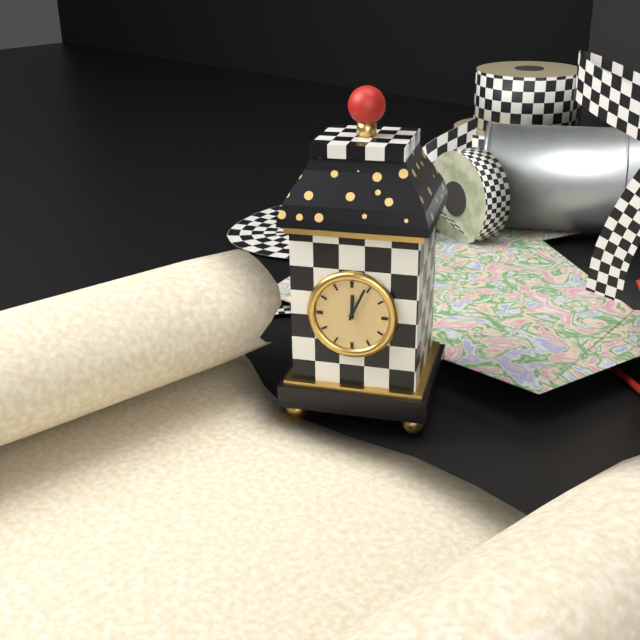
12h04
